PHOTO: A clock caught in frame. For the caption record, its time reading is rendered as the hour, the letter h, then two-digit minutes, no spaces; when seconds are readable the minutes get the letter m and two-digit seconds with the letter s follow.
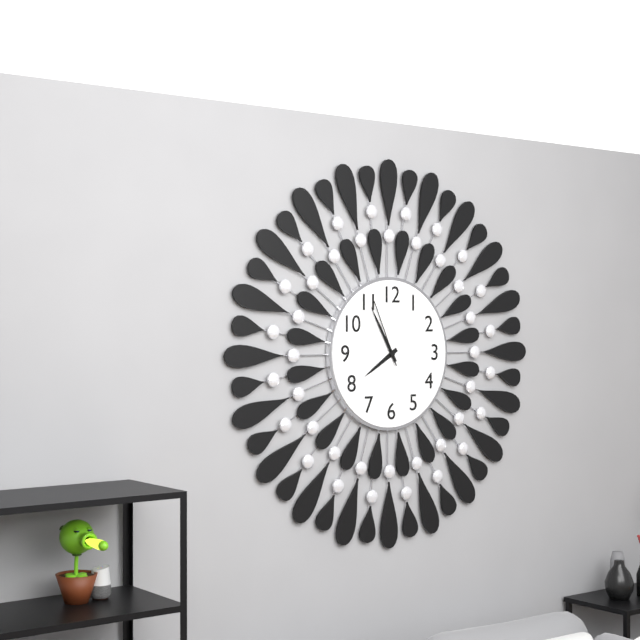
7h55m56s
